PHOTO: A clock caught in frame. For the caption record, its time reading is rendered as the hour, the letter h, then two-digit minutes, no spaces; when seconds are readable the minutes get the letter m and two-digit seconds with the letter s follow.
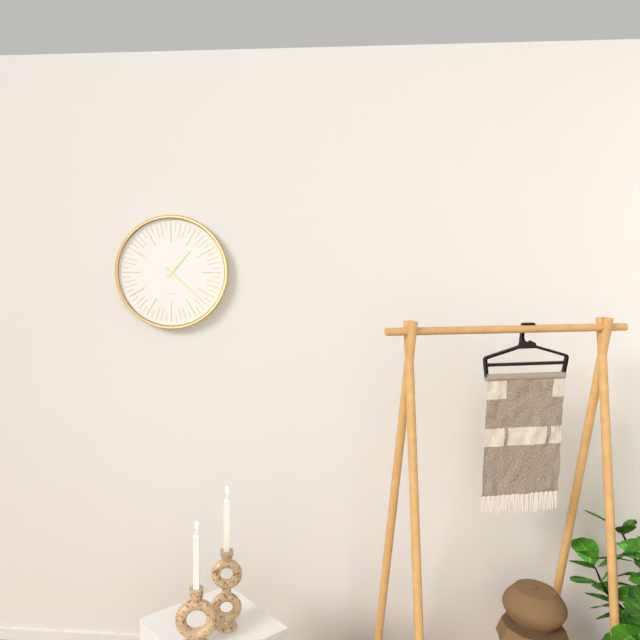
1h22
